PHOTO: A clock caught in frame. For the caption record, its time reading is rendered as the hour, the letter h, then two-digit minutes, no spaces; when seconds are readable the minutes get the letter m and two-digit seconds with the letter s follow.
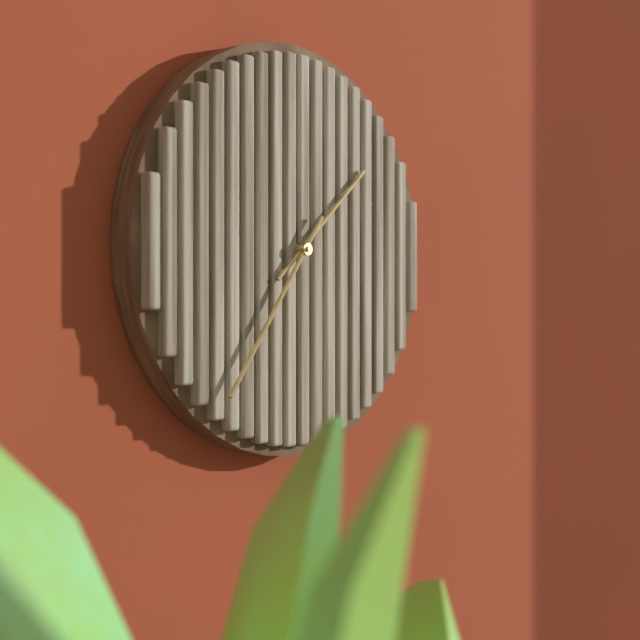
1h36
